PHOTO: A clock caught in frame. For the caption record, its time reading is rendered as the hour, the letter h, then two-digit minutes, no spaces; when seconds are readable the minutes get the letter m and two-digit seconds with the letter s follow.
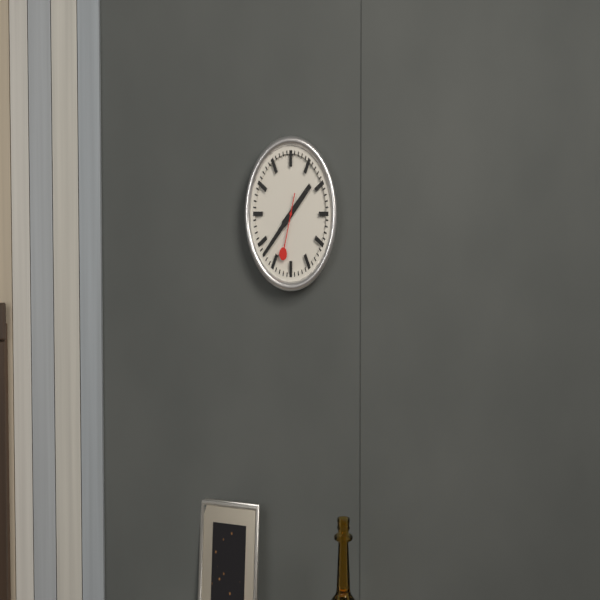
1h38m33s
